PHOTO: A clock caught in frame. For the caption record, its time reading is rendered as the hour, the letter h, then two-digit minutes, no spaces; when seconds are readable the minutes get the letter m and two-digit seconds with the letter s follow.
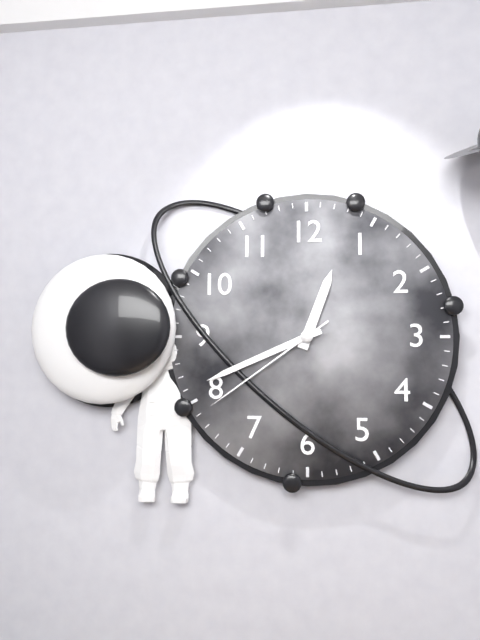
12h41m39s
